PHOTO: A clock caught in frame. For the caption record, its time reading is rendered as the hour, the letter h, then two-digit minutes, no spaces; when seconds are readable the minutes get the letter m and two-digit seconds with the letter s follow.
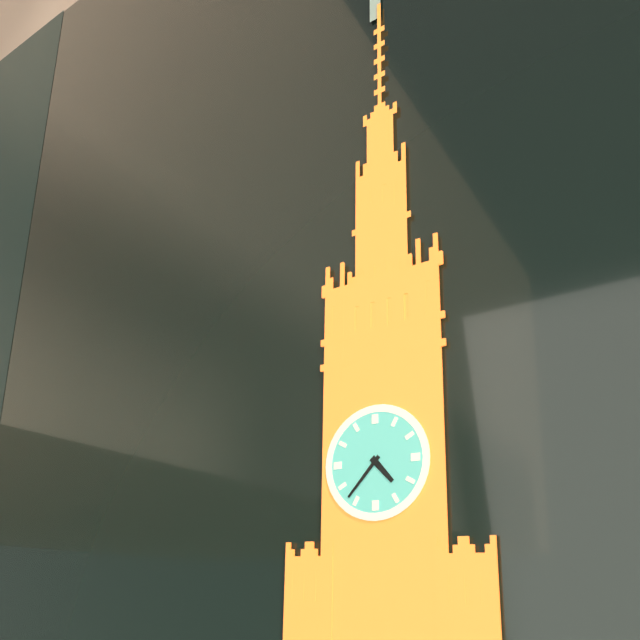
4h37
